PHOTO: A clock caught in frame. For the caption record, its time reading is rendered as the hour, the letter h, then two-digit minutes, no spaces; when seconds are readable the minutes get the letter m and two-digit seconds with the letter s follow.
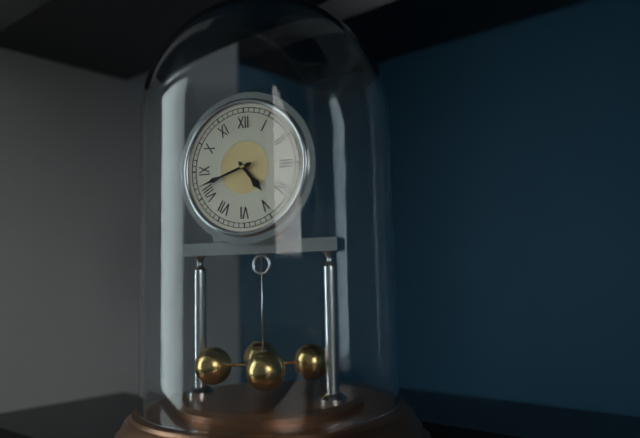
4h42
